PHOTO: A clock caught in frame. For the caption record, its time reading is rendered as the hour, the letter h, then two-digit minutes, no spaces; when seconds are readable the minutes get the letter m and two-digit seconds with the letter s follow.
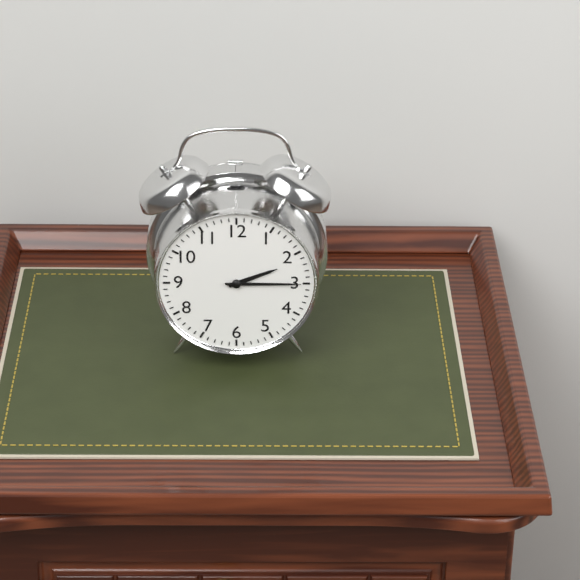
2h15
